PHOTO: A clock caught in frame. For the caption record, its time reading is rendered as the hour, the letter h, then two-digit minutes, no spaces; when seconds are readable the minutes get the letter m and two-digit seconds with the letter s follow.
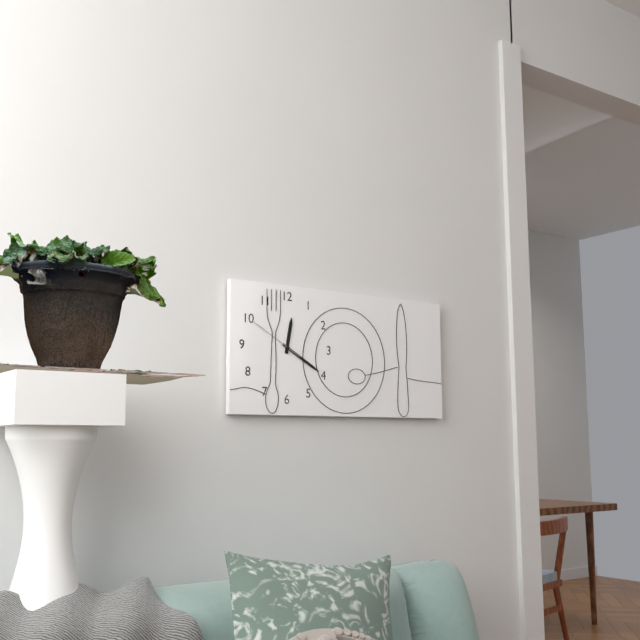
12h20m50s
